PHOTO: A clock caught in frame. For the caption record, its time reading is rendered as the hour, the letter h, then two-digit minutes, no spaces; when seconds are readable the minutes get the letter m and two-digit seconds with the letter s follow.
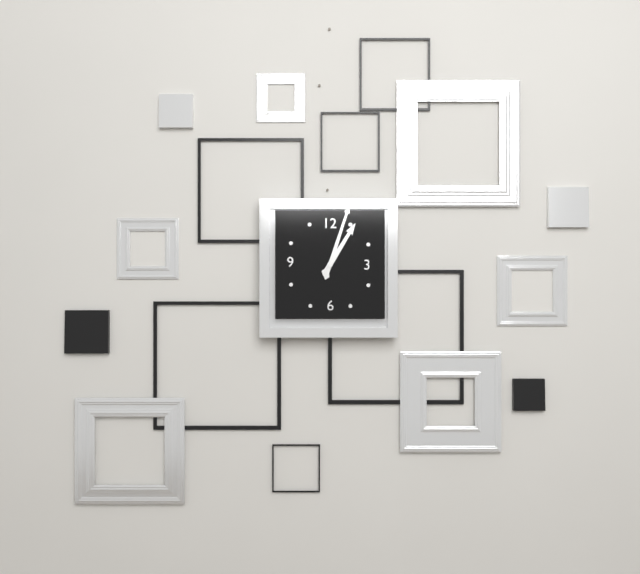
1h03
